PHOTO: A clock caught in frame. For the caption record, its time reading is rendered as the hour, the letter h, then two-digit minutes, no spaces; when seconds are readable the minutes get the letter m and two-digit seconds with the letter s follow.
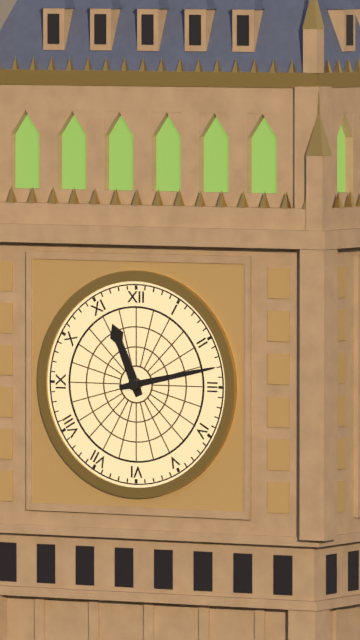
11h13
